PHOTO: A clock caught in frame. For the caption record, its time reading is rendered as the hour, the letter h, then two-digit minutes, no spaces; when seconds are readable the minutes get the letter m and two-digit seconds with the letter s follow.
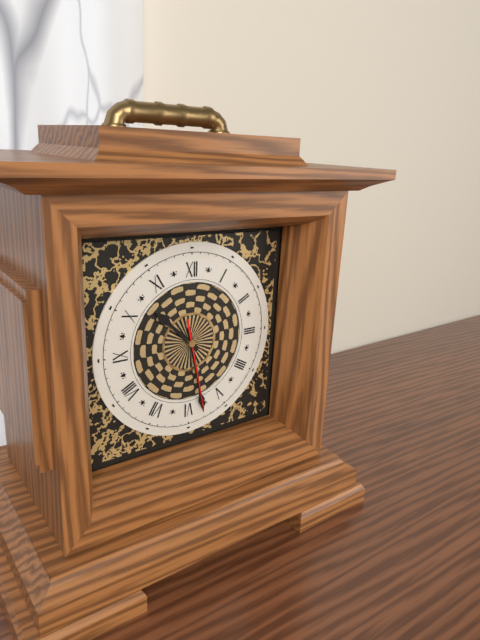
10h28m28s
